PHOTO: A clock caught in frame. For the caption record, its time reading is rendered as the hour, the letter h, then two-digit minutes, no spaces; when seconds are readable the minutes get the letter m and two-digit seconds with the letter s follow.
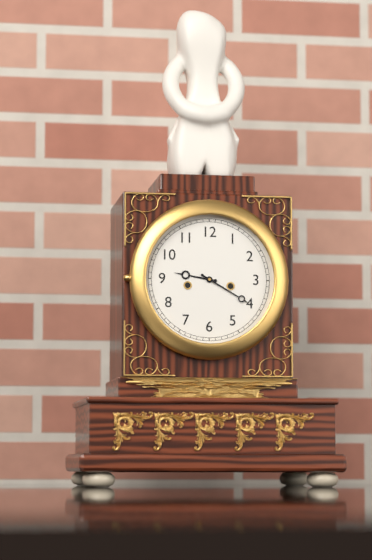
9h20
